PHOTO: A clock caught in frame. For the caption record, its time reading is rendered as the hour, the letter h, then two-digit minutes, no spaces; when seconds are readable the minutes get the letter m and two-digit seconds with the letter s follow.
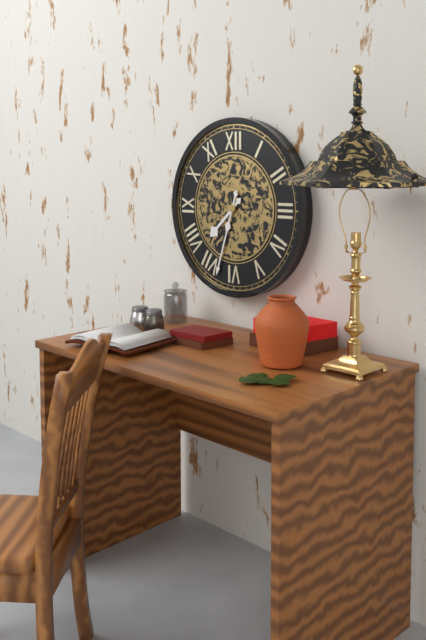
7h33
